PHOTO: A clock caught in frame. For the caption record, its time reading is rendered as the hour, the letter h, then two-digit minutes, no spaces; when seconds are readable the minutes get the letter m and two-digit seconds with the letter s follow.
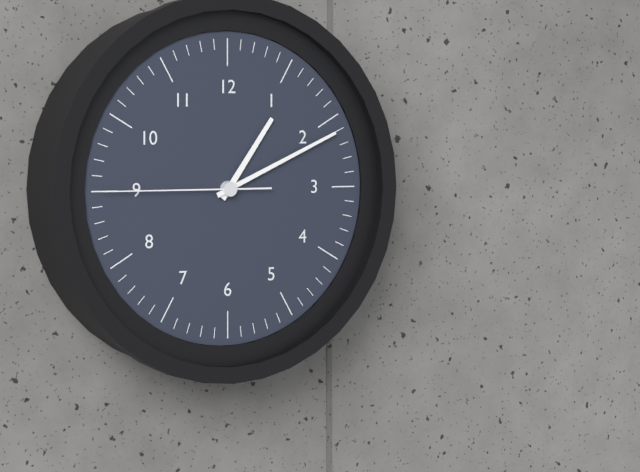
1h11m45s
